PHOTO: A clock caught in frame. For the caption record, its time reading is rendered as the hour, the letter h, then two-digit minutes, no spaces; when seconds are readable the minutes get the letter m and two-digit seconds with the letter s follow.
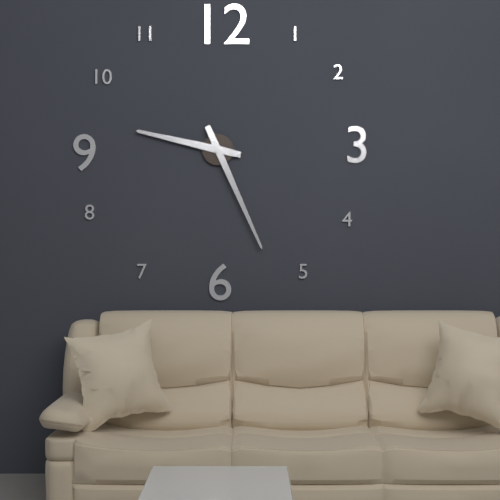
9h26
